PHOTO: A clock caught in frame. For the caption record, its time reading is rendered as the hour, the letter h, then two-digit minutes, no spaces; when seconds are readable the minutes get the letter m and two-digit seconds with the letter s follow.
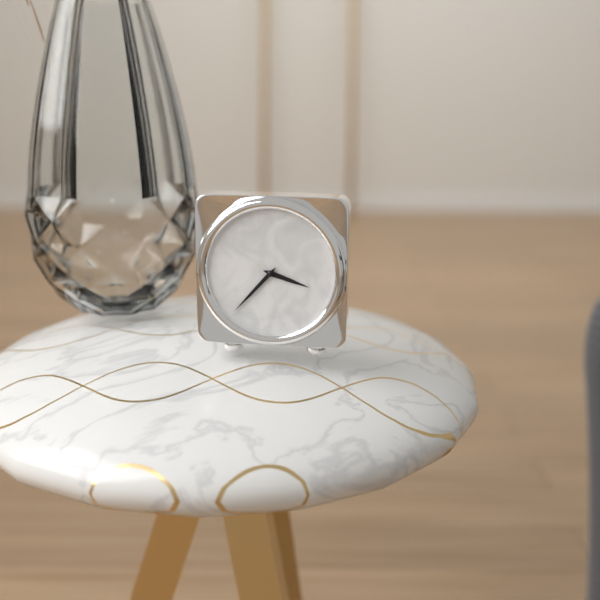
3h37
